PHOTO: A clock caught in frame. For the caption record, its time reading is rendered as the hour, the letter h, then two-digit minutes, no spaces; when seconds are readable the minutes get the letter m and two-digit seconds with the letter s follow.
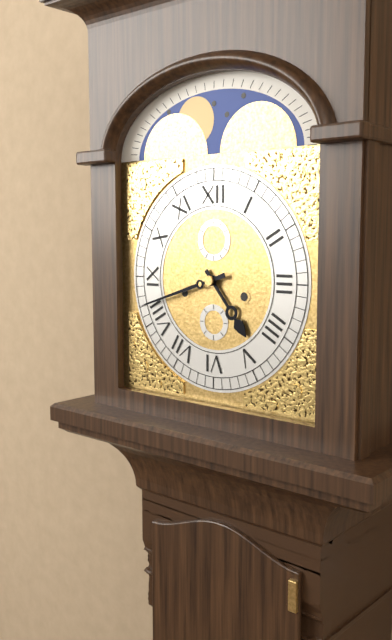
4h42
